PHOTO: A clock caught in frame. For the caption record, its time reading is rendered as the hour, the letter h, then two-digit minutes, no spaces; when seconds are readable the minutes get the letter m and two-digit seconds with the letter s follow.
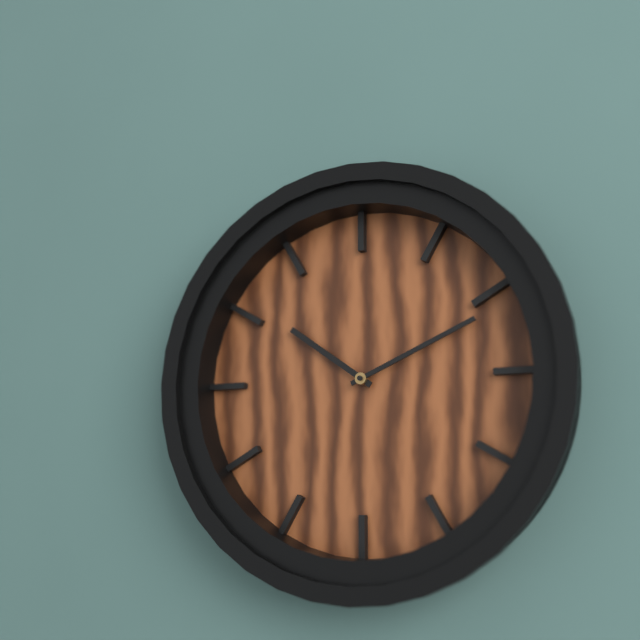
10h11
